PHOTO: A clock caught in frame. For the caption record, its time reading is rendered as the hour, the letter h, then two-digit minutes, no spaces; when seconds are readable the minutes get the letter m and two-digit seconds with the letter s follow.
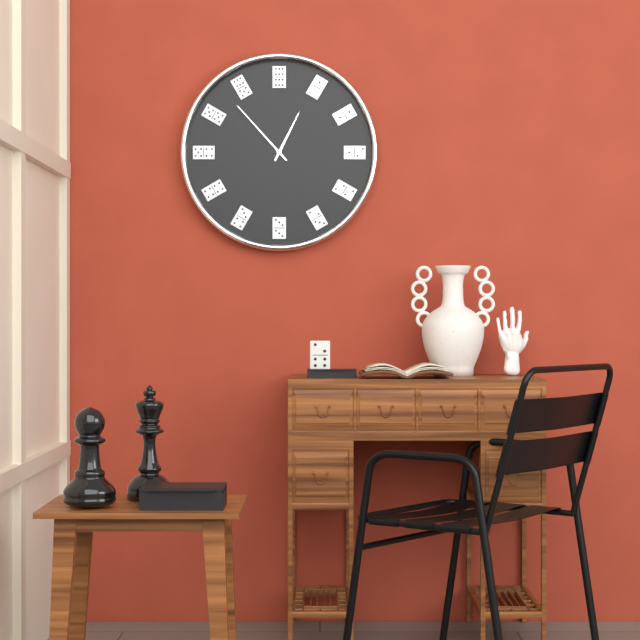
12h53
